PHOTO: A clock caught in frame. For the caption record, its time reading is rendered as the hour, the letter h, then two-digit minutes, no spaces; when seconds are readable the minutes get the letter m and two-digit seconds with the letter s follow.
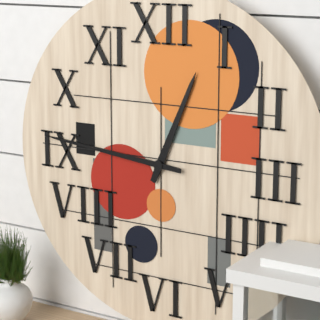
12h46
